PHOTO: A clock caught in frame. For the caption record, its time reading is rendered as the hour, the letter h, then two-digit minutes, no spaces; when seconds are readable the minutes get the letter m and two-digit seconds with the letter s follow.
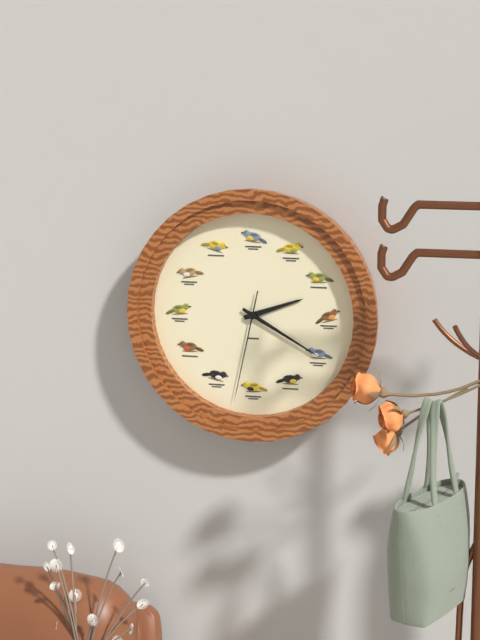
2h20m32s
